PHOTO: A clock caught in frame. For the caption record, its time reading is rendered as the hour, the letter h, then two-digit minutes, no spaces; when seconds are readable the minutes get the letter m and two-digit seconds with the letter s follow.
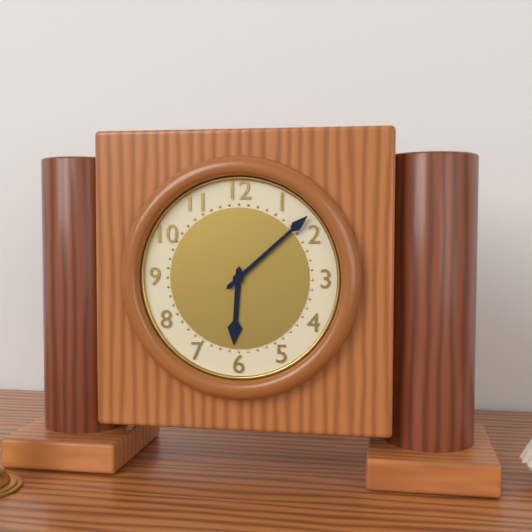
6h08
